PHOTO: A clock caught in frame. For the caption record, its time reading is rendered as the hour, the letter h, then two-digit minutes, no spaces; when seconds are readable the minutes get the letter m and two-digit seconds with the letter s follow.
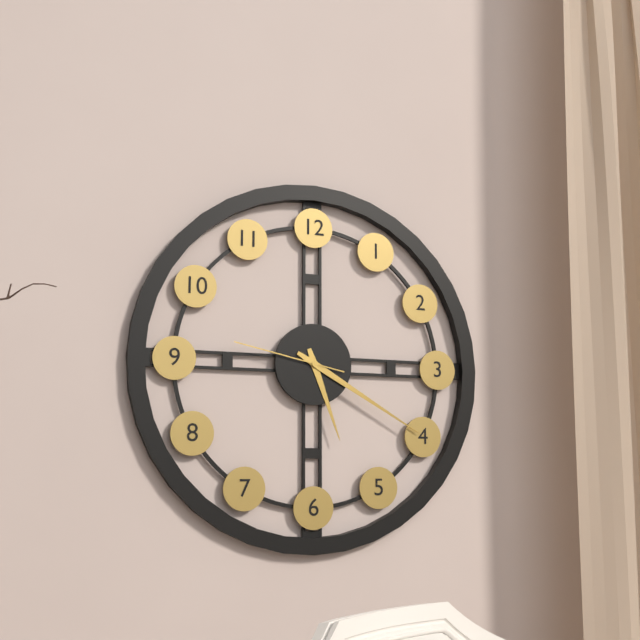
5h20m47s
